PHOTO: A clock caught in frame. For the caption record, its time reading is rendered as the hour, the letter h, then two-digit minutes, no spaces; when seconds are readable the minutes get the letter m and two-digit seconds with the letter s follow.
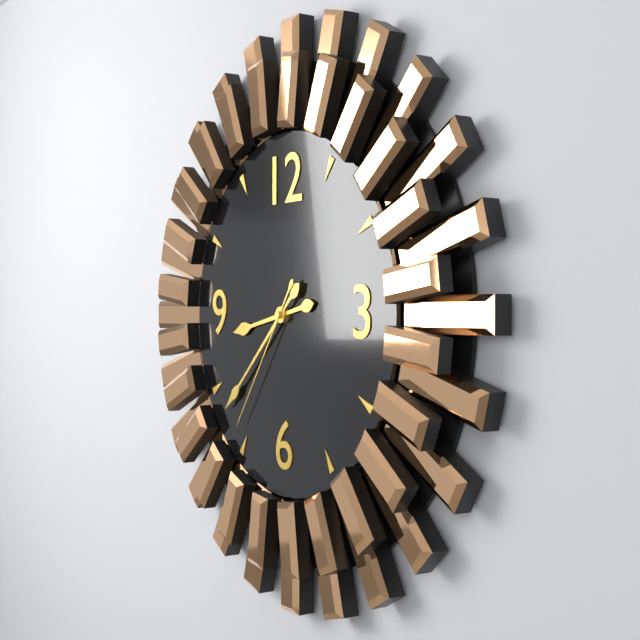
8h38m36s
